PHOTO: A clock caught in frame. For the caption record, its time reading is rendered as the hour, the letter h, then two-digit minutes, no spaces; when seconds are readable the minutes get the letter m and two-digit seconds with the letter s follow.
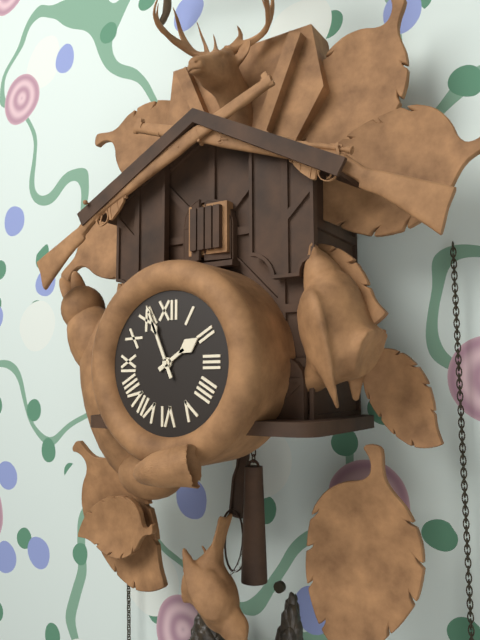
1h56
